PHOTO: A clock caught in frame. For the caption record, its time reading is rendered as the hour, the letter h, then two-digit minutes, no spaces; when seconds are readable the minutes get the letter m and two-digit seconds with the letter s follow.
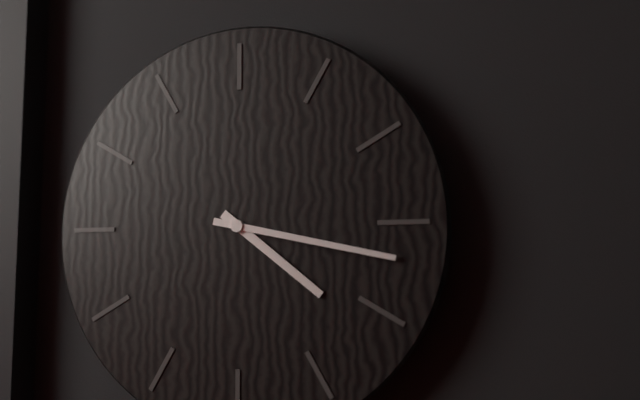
4h17
